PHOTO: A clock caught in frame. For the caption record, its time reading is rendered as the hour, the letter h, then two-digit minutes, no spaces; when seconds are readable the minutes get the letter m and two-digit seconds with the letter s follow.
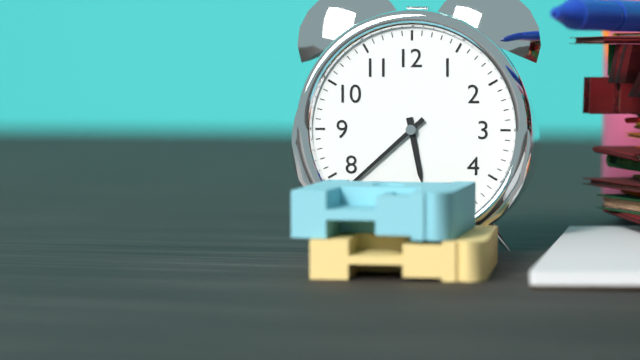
5h38
